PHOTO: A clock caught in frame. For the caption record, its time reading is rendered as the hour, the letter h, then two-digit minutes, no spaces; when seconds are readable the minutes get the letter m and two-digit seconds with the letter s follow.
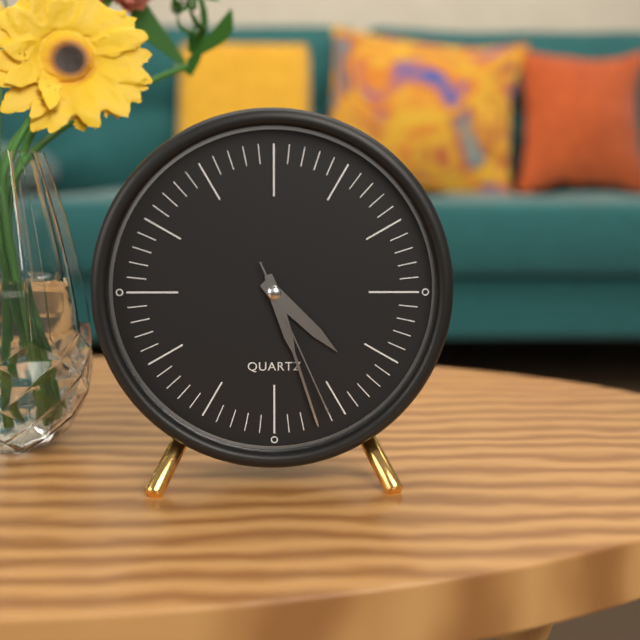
4h27m26s
